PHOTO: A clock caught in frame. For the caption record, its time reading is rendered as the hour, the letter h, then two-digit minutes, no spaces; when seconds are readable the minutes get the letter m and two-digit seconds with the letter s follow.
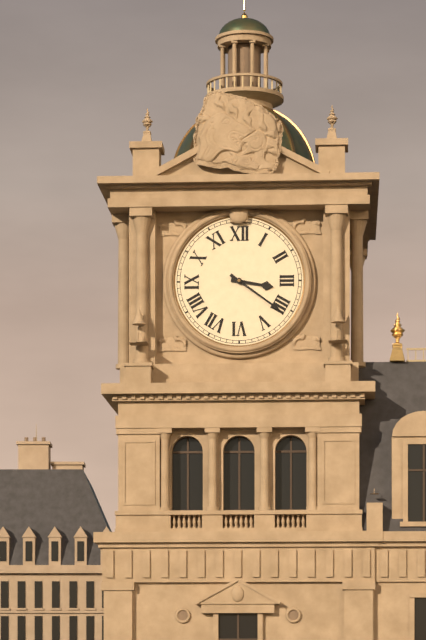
3h21
